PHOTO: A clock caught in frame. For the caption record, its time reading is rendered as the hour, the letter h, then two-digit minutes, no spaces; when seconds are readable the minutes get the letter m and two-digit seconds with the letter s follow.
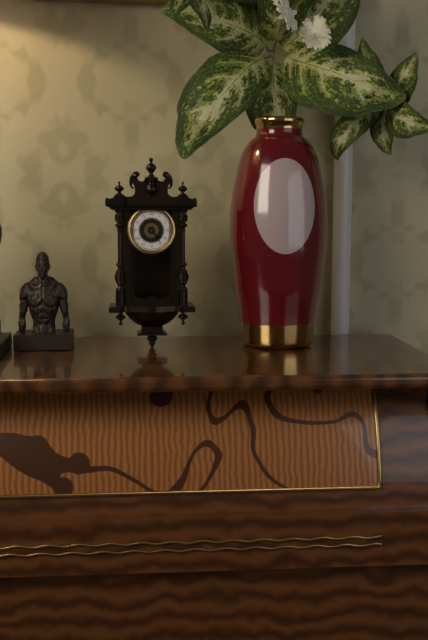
4h24
